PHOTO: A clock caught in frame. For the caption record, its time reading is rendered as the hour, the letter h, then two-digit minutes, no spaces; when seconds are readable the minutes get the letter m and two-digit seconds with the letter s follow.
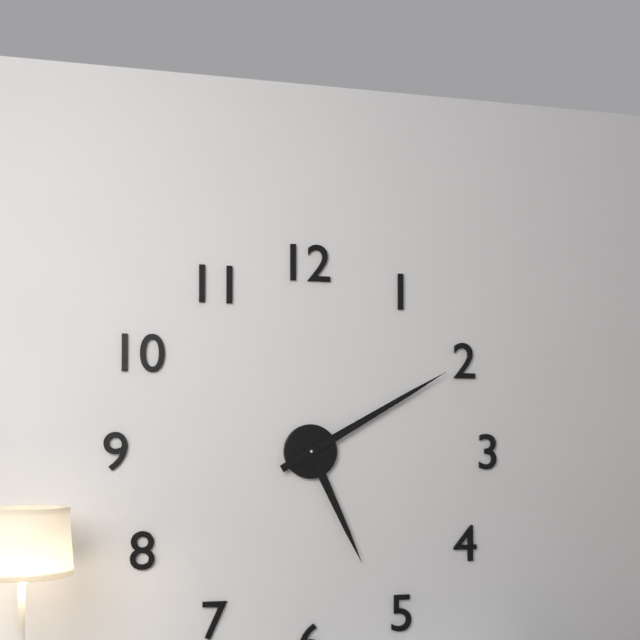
5h10
